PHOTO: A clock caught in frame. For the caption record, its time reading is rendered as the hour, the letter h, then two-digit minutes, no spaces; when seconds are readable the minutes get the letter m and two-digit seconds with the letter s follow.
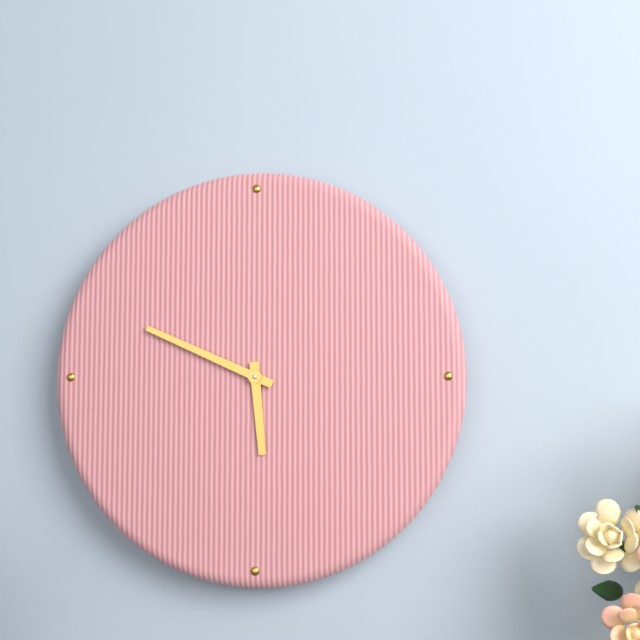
5h49
